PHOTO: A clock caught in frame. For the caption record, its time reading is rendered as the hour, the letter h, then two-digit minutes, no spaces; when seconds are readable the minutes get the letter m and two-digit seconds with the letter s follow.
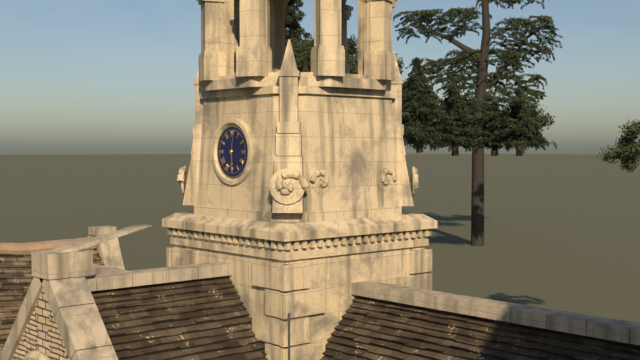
6h02
